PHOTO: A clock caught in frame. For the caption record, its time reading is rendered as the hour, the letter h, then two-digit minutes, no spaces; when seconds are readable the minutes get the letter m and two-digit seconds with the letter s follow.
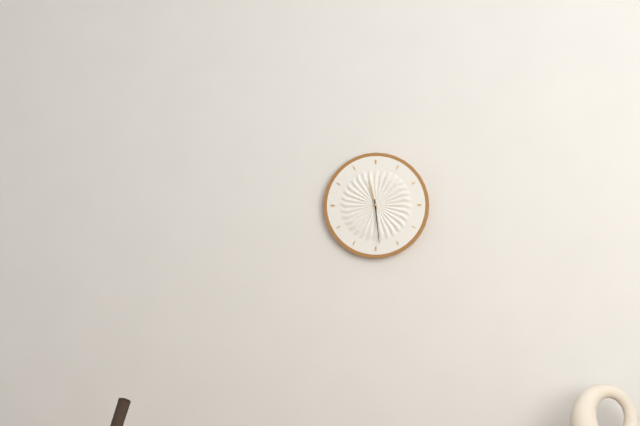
11h29
